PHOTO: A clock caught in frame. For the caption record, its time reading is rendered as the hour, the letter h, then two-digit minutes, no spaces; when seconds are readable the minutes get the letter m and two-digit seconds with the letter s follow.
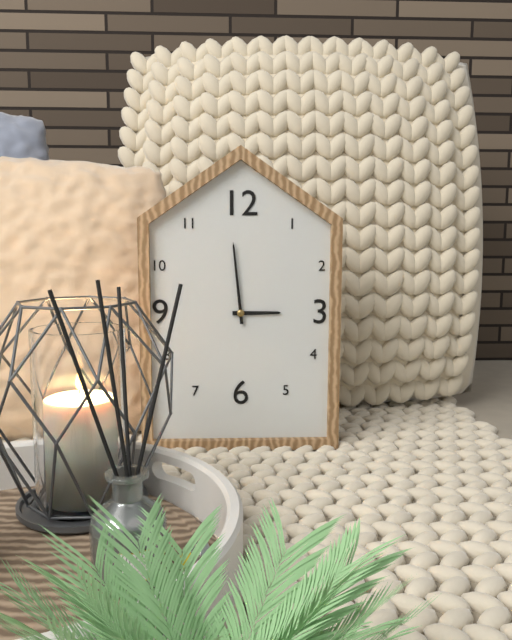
2h59
